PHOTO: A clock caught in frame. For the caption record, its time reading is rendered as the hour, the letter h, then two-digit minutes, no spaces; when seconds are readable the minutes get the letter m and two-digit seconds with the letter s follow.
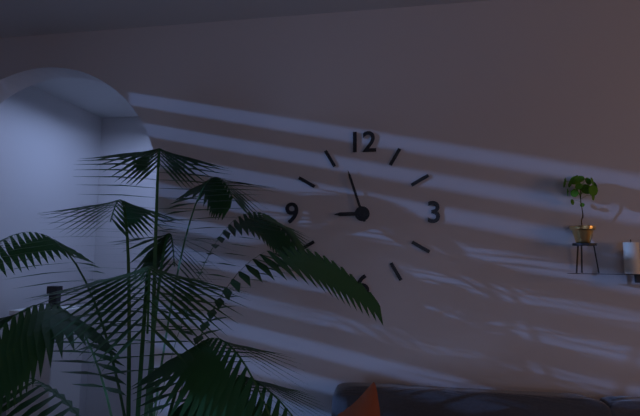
8h57
